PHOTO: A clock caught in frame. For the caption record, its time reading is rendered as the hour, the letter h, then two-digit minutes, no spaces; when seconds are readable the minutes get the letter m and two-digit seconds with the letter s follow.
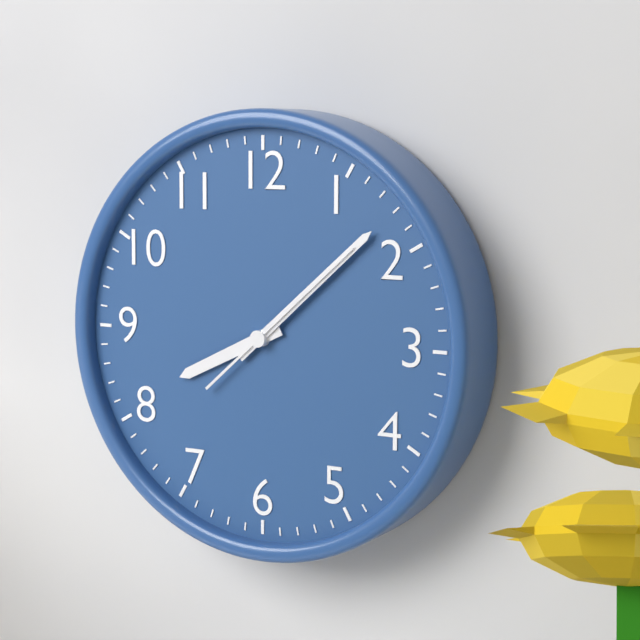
8h08m08s
